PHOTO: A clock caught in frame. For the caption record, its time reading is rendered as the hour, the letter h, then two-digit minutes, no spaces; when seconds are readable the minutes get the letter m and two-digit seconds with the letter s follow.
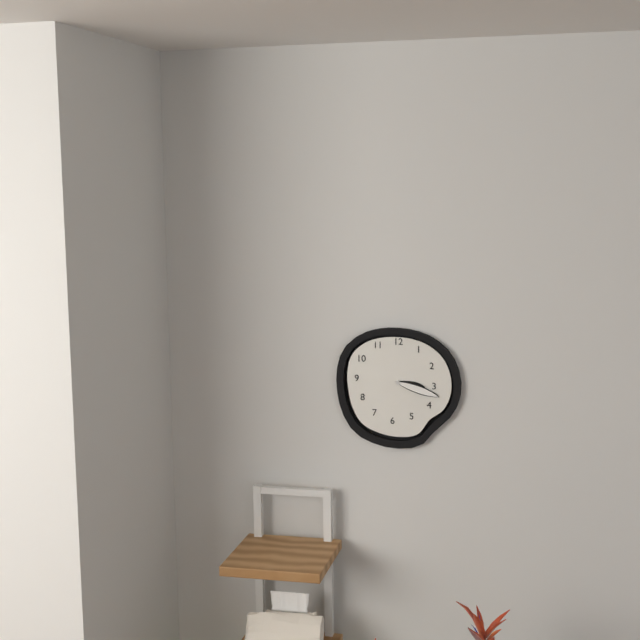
3h18
